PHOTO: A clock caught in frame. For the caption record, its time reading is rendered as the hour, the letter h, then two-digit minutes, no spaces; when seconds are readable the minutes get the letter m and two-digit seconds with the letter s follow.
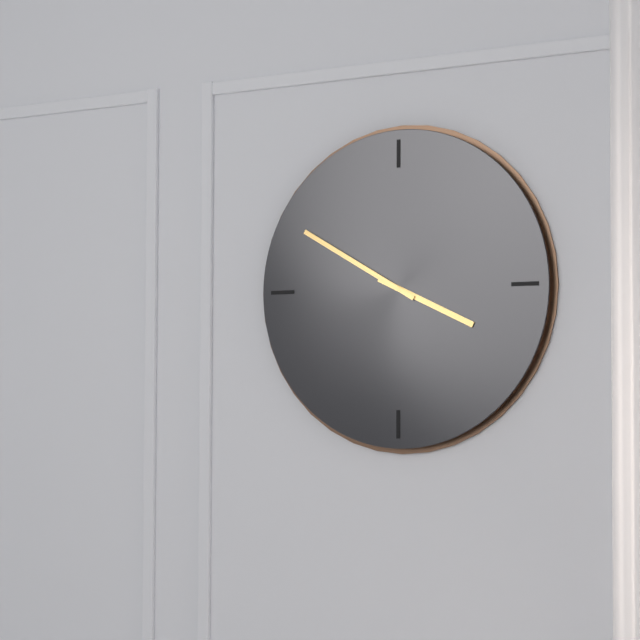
3h50
